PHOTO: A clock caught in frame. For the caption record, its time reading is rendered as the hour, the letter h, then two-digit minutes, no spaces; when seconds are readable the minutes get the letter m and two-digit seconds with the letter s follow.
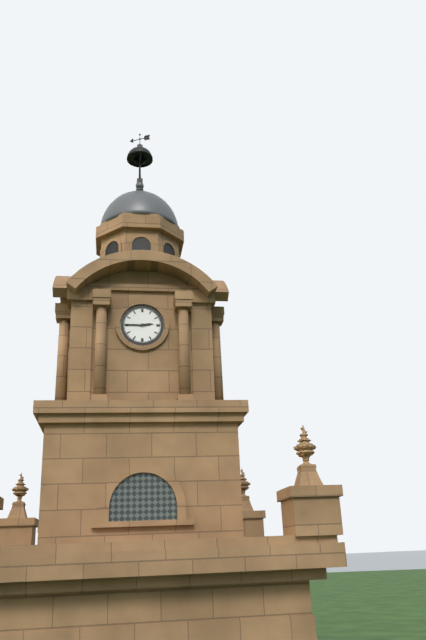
2h45
